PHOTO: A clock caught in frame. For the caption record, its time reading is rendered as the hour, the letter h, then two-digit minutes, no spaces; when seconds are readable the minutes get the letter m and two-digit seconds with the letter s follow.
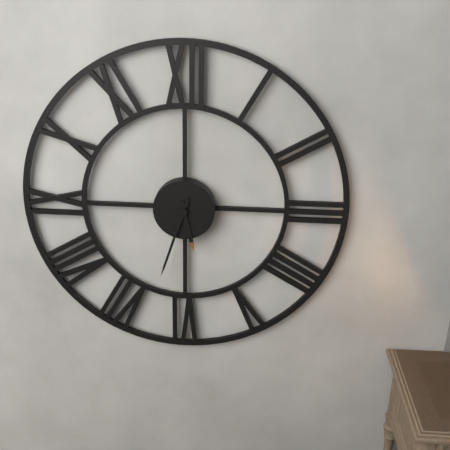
5h33
